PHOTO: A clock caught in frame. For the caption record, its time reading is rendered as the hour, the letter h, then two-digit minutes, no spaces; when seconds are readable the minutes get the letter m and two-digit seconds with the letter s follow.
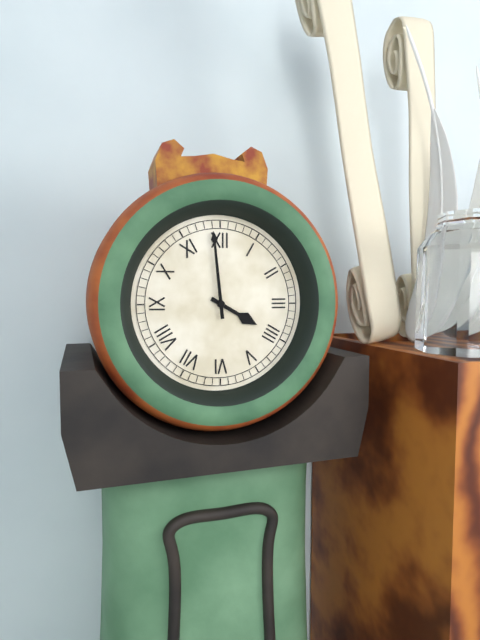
3h59
